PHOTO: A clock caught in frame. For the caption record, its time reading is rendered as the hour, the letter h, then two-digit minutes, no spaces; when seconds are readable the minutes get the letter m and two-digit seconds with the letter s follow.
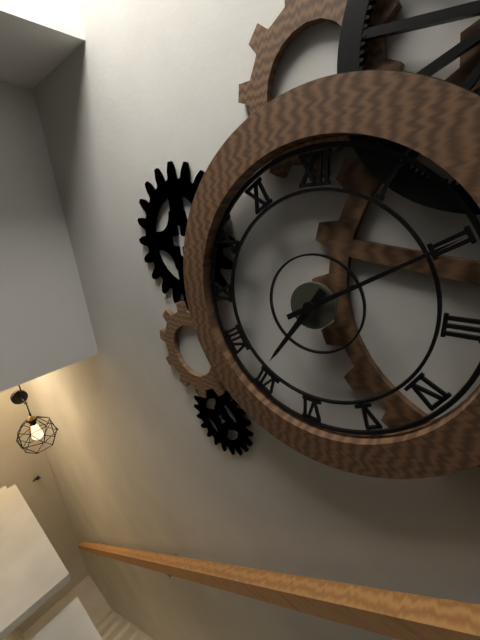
7h10
